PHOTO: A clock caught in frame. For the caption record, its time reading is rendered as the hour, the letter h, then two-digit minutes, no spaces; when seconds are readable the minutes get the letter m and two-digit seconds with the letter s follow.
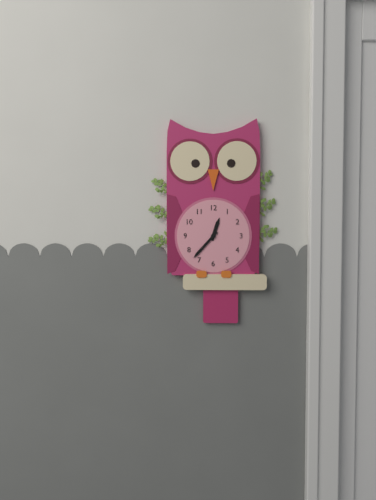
12h37
